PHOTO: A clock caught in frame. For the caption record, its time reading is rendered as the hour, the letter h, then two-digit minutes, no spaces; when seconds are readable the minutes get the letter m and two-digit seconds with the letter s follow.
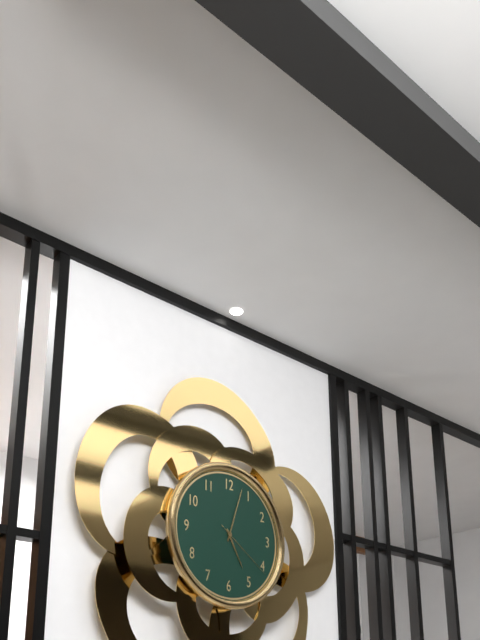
5h03m21s
